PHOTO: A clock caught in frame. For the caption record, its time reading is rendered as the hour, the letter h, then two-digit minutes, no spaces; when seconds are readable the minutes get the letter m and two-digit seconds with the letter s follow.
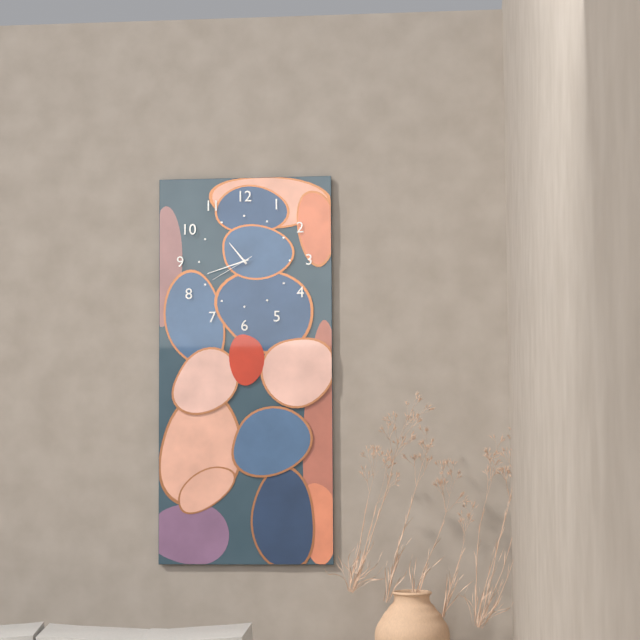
10h42
